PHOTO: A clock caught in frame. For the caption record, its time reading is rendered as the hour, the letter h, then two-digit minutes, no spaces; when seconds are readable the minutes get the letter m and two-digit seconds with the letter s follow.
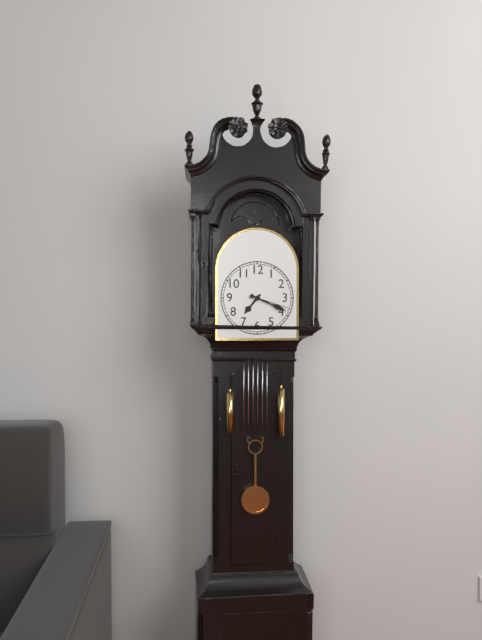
7h19
